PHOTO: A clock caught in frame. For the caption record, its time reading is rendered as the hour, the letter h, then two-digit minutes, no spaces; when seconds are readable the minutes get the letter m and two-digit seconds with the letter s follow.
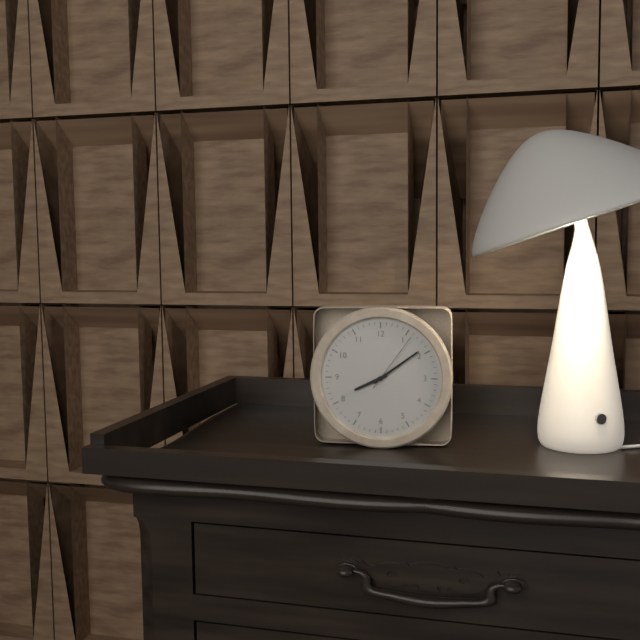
8h09m06s
